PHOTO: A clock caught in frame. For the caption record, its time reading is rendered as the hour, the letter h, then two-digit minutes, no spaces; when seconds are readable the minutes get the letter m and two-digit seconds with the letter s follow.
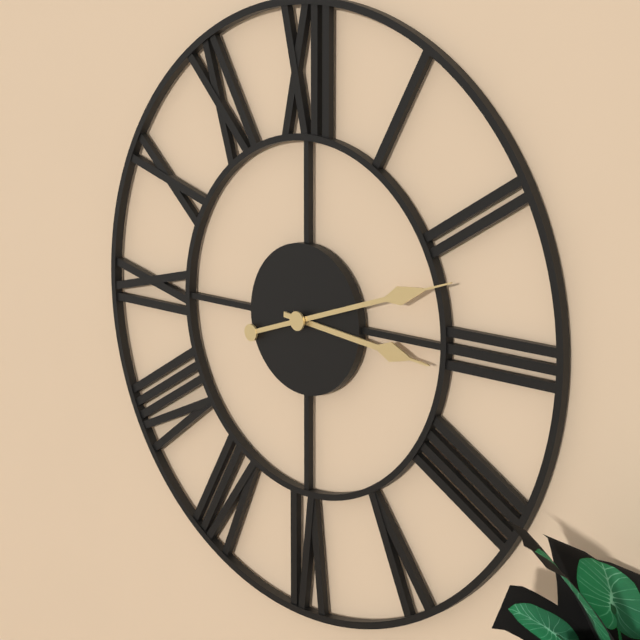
3h12
